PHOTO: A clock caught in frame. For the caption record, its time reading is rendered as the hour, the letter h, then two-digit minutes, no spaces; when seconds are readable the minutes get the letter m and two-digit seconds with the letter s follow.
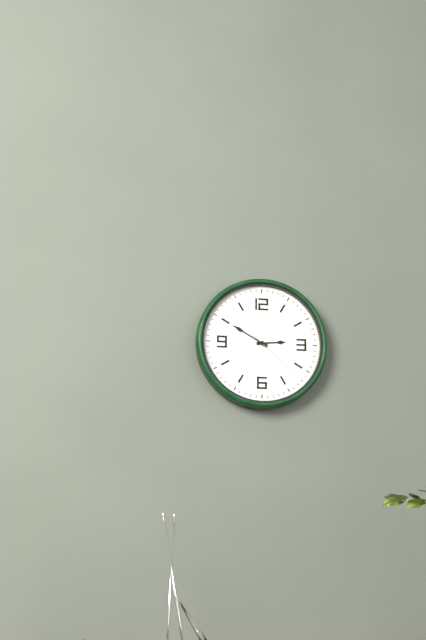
2h50m22s
